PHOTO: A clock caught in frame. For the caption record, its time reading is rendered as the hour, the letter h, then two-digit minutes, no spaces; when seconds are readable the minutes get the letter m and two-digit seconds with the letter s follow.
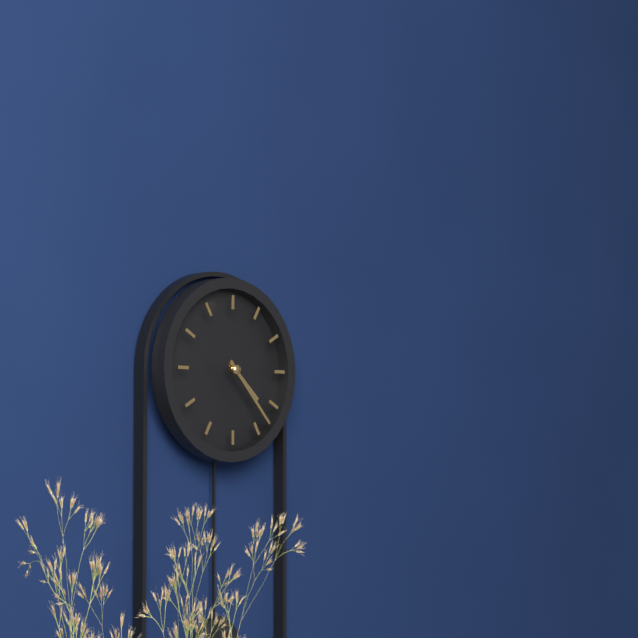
4h23
